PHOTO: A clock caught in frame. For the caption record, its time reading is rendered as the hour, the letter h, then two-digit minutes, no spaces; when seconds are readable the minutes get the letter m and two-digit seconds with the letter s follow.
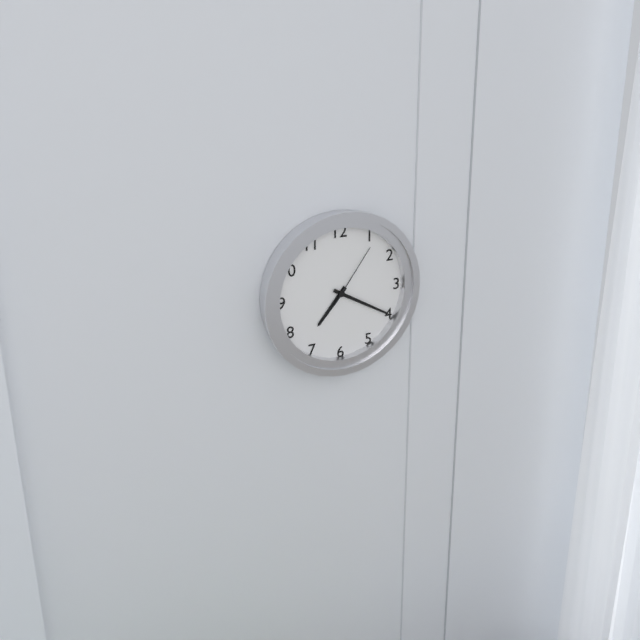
7h20m06s
